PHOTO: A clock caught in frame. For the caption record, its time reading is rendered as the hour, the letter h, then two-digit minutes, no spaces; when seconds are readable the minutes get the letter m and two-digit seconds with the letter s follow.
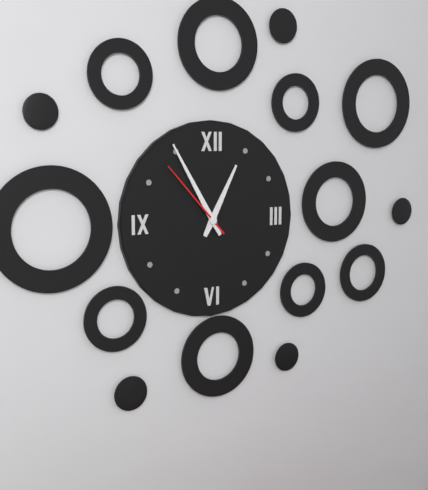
12h55m53s
